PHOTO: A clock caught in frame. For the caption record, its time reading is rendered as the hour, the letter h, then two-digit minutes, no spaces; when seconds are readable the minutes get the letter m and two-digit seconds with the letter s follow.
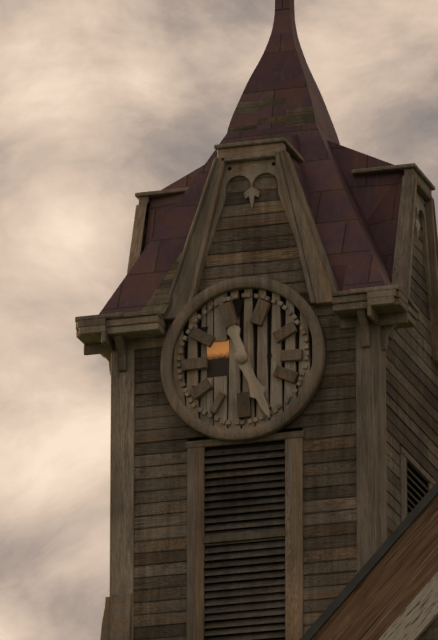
11h26
